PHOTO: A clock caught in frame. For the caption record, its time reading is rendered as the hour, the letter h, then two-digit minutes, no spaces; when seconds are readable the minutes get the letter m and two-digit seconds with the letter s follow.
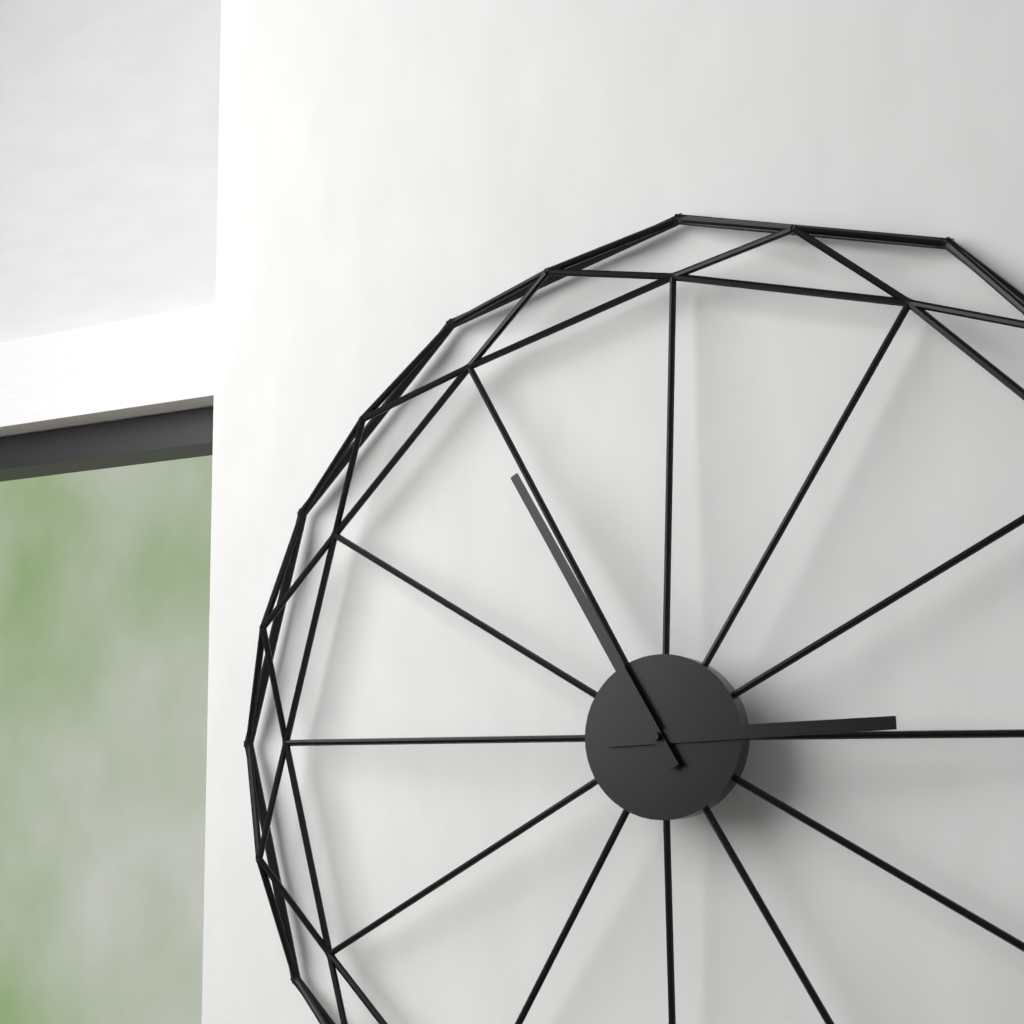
2h55
